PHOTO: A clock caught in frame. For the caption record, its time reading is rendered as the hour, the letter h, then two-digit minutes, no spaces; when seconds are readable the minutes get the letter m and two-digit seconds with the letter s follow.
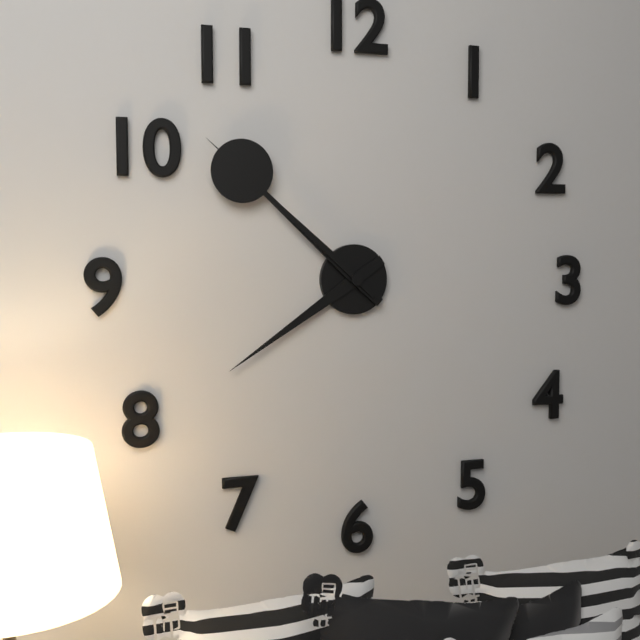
7h52m52s
